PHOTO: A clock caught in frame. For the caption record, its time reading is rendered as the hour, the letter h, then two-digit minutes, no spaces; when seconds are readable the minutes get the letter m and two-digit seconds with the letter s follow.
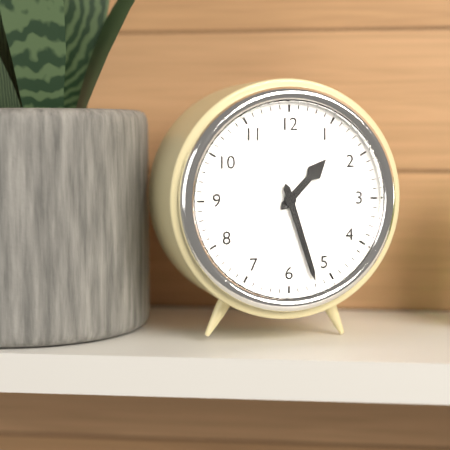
1h27
